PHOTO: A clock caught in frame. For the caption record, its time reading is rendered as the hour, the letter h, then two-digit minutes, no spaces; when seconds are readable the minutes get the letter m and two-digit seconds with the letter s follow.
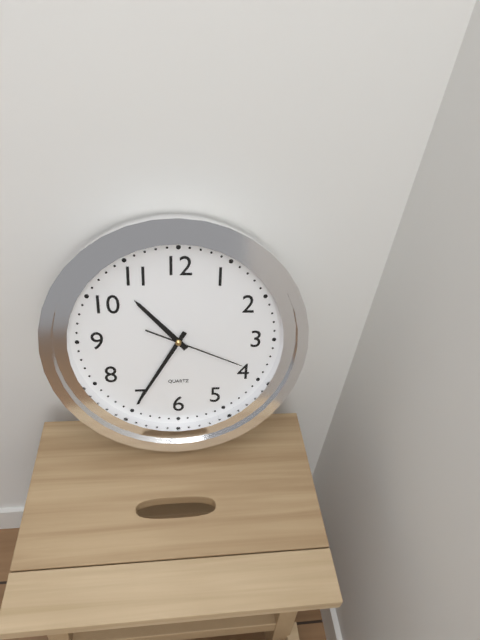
10h35m19s
